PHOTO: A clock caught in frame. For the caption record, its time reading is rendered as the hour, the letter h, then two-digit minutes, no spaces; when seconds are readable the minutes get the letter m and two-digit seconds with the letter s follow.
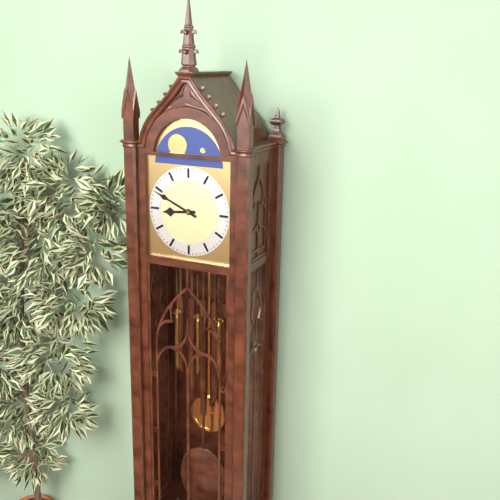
8h49
